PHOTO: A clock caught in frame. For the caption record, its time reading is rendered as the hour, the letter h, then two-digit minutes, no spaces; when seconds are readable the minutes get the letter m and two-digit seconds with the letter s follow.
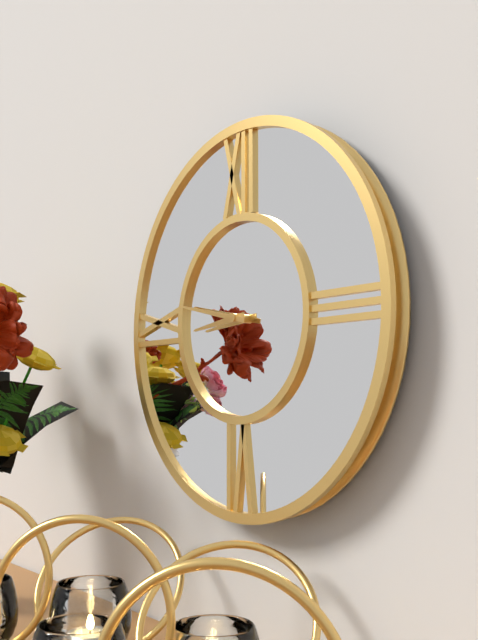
8h47
